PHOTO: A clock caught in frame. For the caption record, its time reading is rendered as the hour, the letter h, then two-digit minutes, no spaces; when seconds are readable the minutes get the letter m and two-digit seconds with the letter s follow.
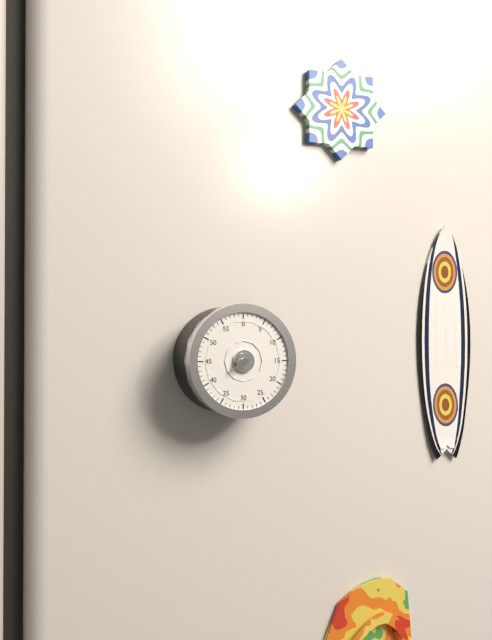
8h40
